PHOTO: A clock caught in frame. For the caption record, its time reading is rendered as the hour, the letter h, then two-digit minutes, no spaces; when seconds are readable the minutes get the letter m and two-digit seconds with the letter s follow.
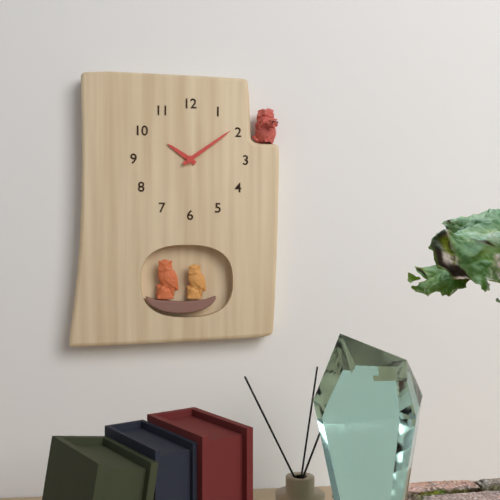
10h09
